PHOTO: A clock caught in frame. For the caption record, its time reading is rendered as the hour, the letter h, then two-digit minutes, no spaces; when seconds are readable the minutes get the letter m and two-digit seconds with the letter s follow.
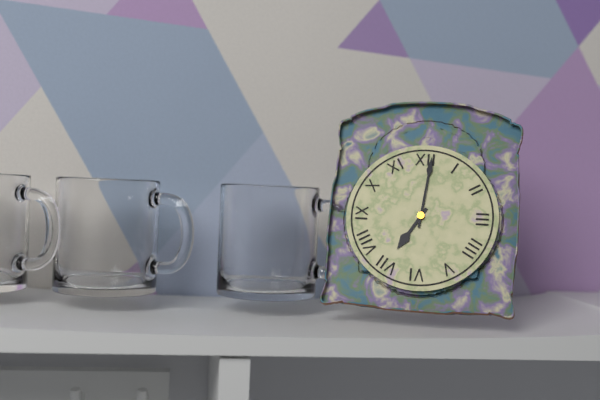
7h01
